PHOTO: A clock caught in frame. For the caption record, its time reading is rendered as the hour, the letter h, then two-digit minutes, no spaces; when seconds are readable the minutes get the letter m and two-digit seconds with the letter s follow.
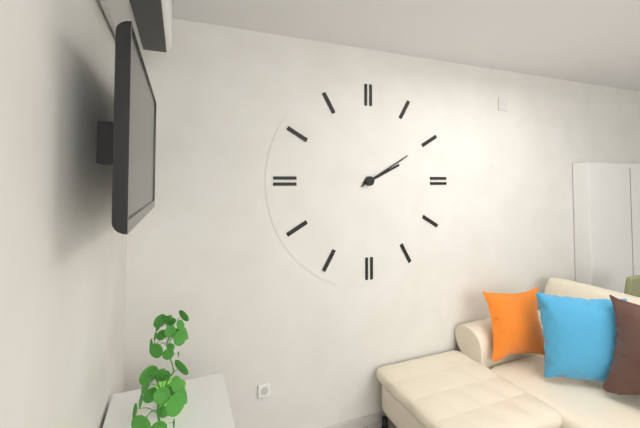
2h10
